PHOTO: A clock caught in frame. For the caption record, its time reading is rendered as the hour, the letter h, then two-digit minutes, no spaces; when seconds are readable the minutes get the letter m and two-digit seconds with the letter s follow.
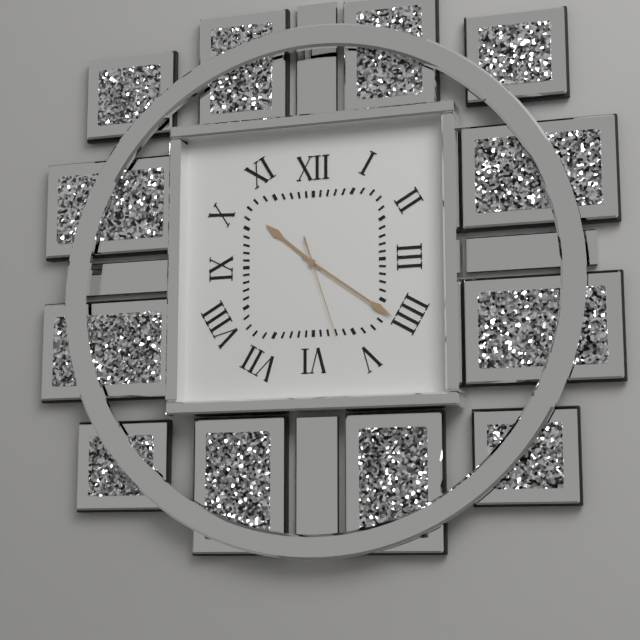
10h21m27s
